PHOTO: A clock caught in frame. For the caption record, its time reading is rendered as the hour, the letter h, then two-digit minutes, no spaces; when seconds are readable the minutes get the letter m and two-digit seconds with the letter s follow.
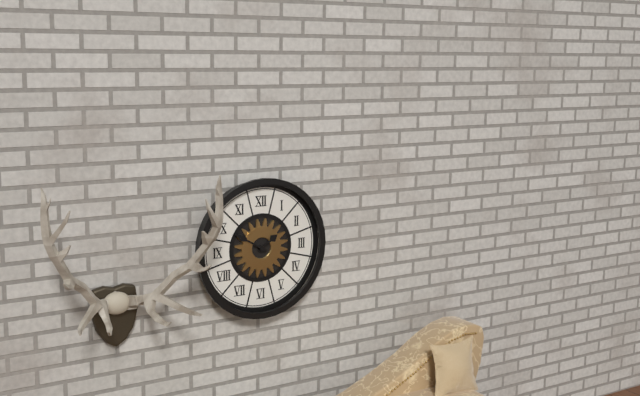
1h50
